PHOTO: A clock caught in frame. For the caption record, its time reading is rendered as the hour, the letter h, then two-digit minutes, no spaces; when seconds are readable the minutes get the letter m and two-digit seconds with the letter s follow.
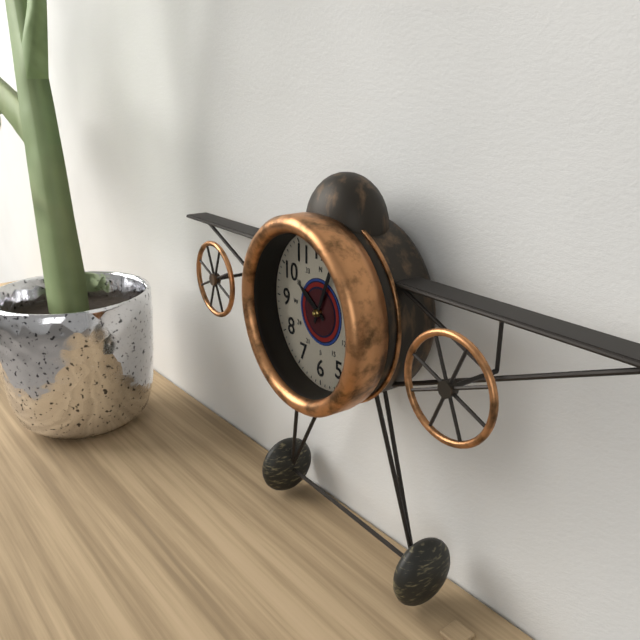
10h04
